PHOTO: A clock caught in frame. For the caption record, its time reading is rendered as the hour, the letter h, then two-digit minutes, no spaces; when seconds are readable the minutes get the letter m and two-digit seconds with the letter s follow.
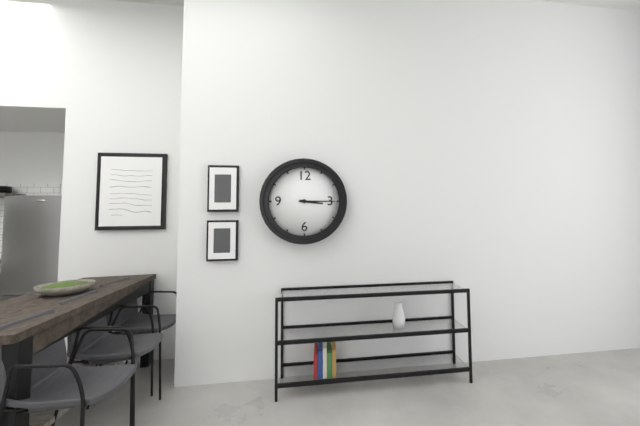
3h15
